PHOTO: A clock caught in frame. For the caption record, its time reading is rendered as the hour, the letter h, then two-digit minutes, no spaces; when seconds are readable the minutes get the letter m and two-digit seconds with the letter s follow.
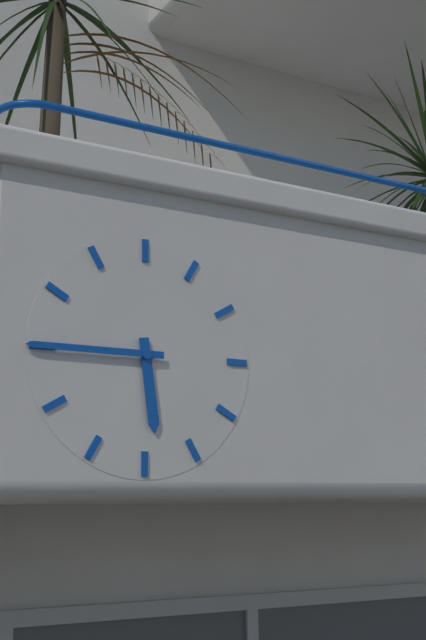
5h45
